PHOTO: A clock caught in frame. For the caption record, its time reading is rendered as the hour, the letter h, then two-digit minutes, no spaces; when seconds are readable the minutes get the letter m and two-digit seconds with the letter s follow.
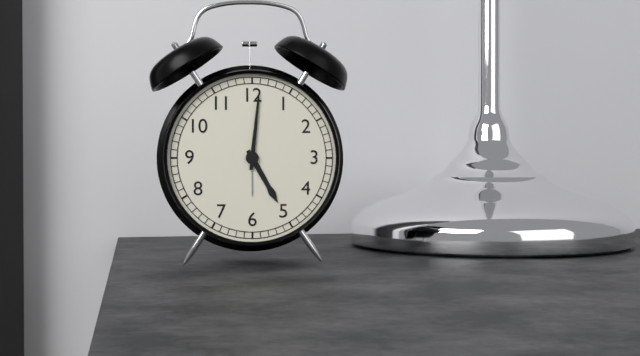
5h01
